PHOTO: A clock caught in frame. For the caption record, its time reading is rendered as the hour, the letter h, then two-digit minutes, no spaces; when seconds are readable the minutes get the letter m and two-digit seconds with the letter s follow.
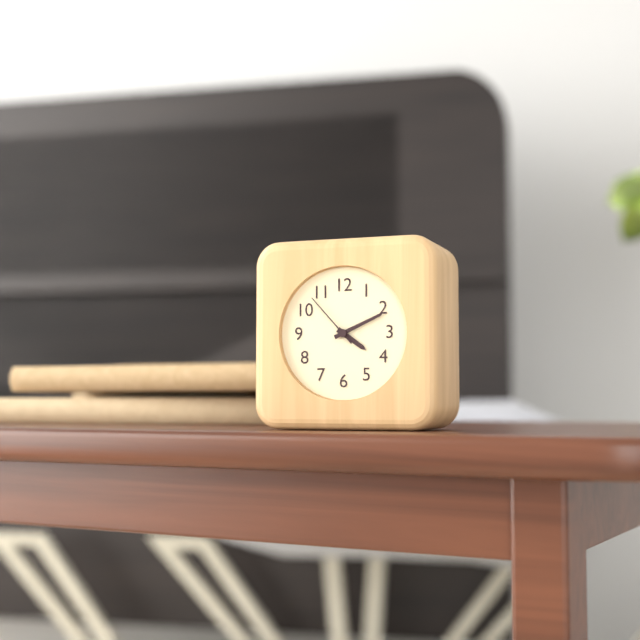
4h11m53s
